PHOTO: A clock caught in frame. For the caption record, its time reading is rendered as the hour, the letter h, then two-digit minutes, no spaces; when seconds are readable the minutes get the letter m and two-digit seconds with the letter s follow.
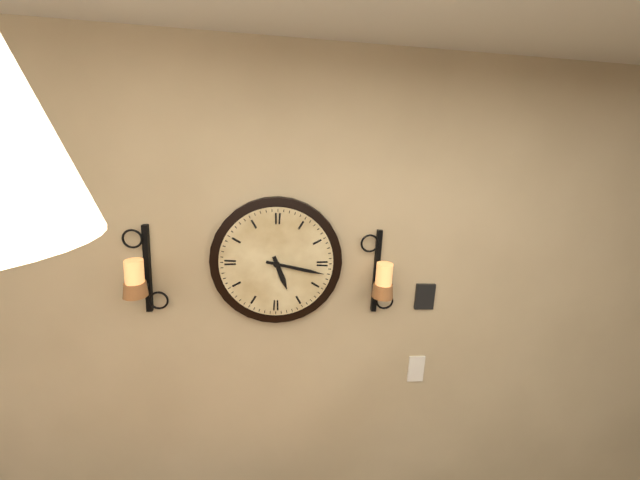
5h17
